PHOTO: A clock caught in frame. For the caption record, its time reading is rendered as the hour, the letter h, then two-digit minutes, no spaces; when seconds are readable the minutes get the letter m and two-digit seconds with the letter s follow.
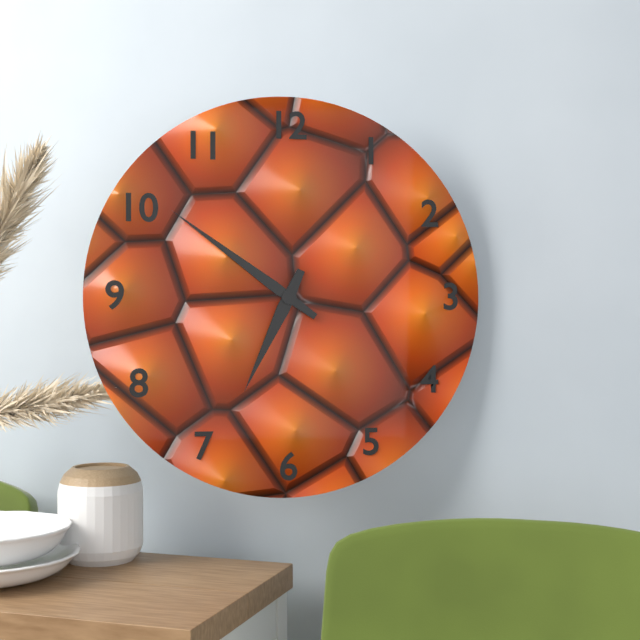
6h51
